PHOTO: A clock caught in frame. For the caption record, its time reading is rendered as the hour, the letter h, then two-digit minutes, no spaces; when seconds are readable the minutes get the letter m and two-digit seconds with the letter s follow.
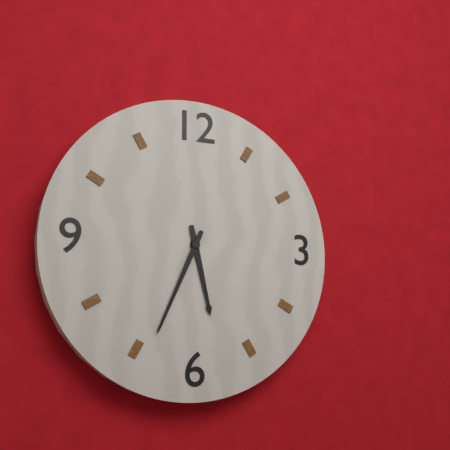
5h34
